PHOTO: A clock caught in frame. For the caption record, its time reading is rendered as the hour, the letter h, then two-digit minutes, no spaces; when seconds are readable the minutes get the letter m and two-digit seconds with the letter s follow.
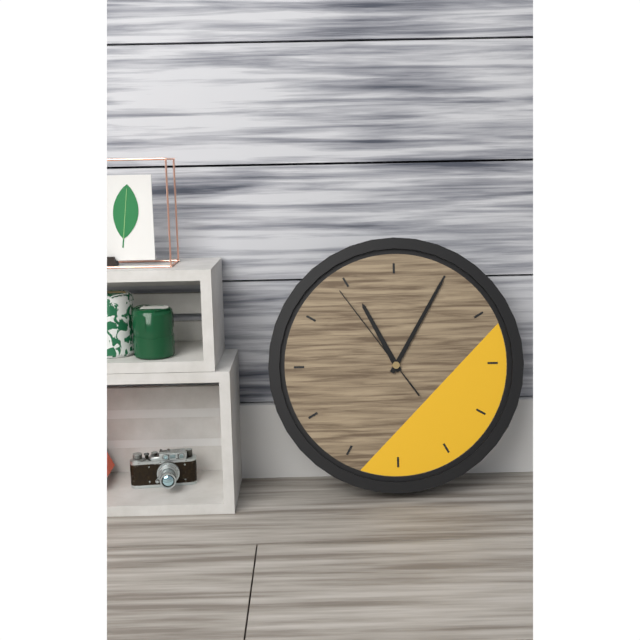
11h05m54s
